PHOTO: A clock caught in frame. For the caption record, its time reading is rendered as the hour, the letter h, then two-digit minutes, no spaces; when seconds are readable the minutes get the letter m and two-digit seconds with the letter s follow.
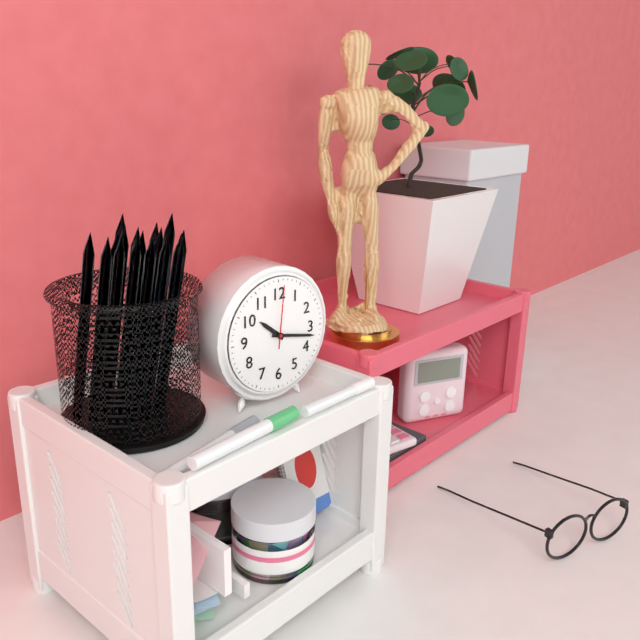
10h17m01s
